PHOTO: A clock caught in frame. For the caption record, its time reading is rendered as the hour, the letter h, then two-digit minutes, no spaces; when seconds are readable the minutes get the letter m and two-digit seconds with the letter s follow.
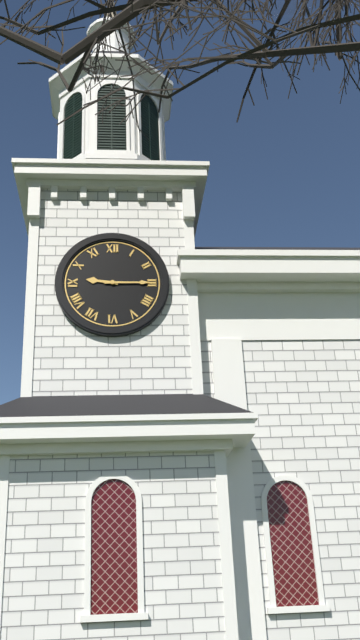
9h15
